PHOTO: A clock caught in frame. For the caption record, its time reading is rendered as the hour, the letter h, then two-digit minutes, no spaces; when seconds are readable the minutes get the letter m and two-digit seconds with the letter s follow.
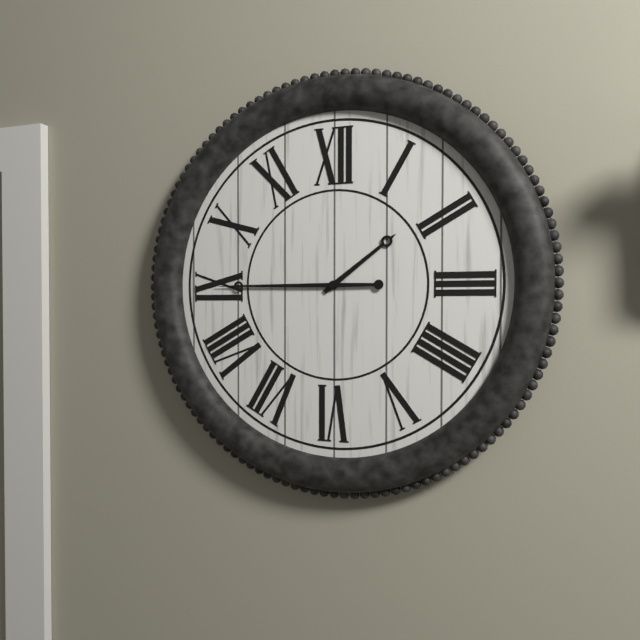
1h45
